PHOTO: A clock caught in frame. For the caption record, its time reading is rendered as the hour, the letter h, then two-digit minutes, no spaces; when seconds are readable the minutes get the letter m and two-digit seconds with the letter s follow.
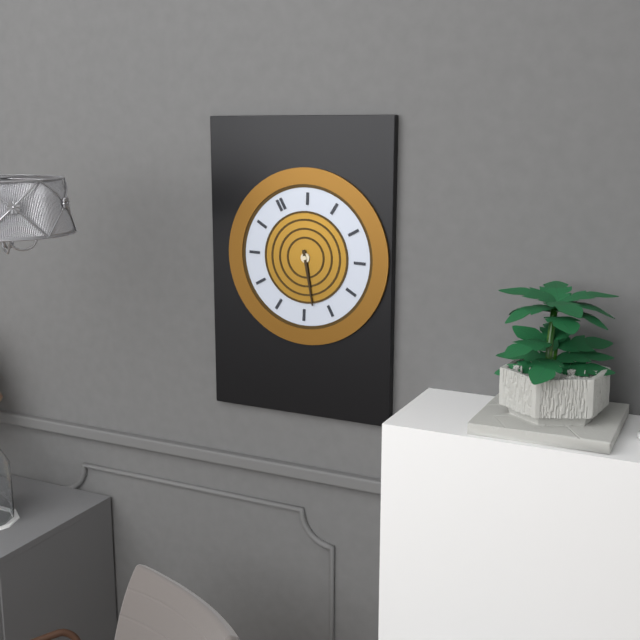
6h33
